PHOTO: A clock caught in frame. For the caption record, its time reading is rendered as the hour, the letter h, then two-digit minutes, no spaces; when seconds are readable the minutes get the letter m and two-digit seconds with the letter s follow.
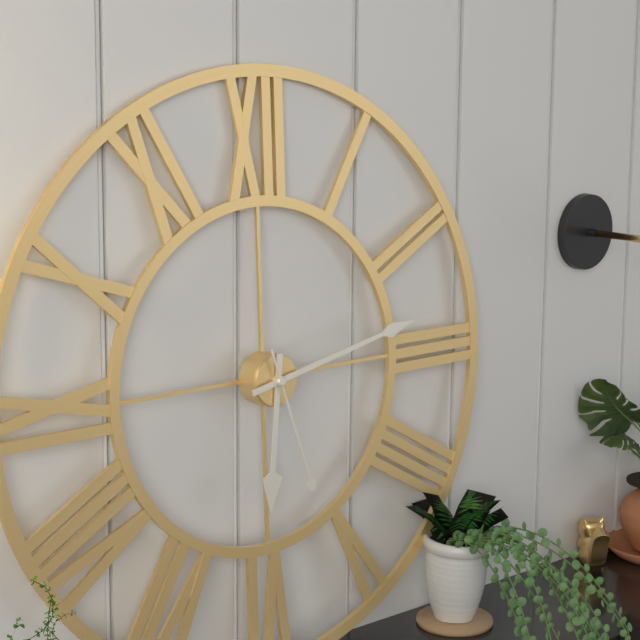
6h13m27s
